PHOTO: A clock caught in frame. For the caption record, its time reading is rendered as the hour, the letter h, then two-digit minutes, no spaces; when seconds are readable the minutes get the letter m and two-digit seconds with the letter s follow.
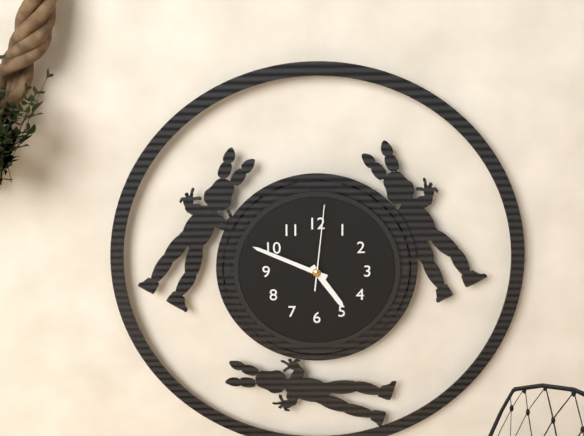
4h49m01s
